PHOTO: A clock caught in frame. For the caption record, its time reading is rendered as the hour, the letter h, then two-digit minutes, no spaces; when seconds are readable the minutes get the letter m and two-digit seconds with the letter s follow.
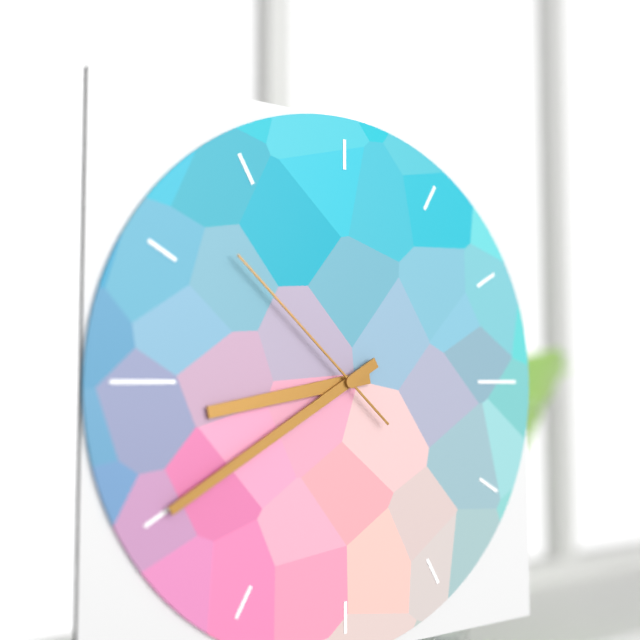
8h40m52s
